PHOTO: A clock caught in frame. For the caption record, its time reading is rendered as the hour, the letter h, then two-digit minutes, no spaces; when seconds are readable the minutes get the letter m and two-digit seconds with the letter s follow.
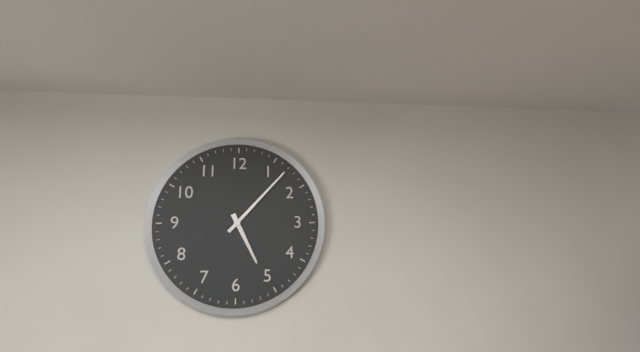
5h07
